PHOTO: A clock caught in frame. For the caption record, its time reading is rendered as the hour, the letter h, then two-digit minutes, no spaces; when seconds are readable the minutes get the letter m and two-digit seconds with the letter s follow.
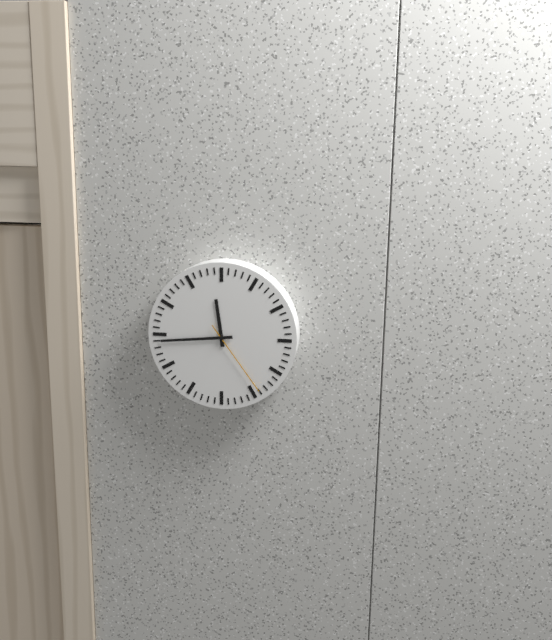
11h44m24s
